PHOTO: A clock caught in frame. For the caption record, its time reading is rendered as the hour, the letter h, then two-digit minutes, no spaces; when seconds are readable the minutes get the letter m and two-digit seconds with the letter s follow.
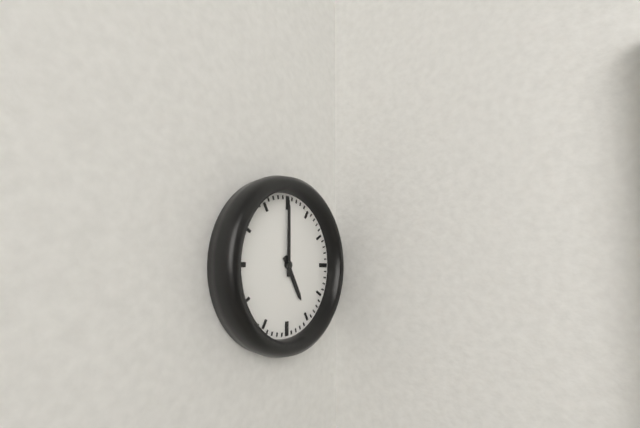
5h00
